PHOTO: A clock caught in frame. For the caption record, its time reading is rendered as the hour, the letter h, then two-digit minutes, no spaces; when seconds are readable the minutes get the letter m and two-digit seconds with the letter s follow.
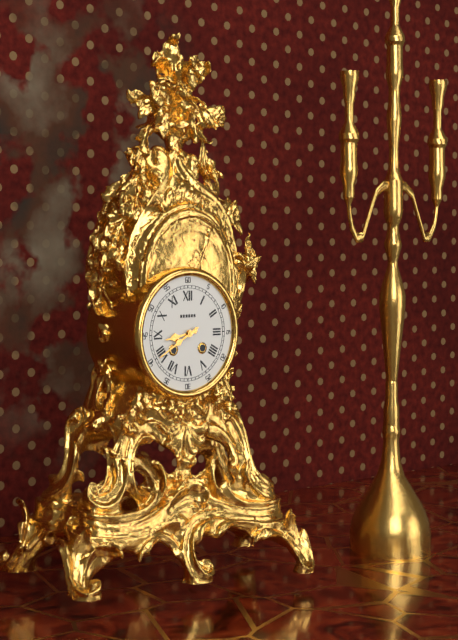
8h40
